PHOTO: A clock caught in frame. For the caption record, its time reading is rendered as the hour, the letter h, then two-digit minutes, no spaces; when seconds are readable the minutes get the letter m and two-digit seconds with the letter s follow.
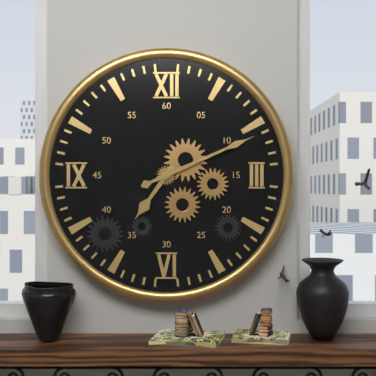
7h11
